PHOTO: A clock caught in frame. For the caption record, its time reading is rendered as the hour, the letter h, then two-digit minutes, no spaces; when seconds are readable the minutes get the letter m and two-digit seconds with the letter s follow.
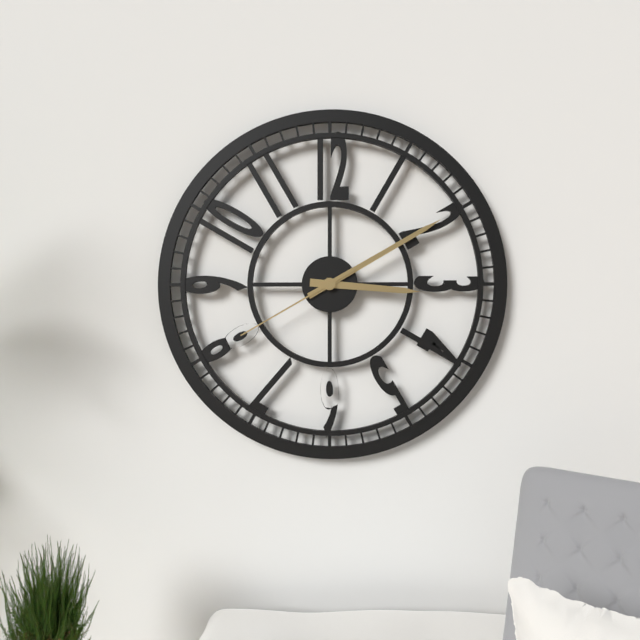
3h10m40s
